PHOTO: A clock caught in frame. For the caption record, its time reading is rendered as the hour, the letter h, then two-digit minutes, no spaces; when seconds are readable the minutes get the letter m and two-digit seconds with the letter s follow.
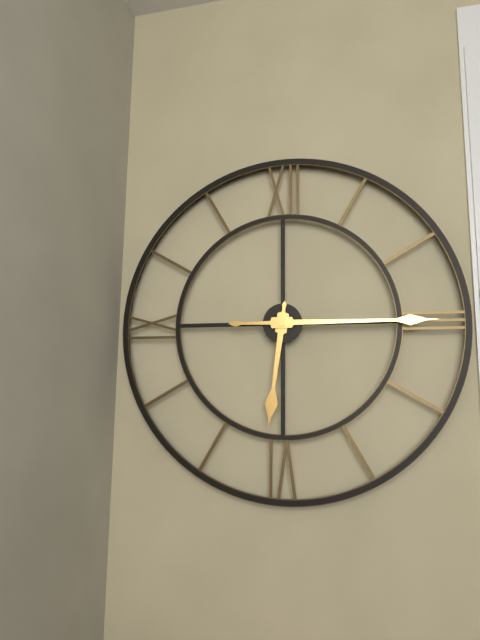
6h15
